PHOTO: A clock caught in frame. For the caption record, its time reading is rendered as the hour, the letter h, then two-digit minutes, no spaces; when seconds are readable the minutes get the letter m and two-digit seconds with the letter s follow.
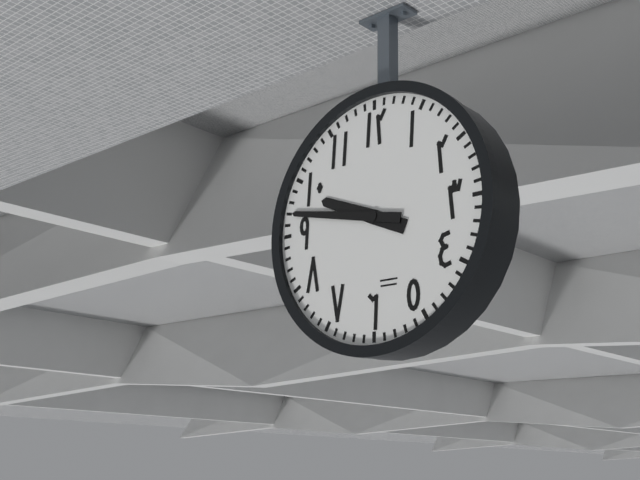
9h47
